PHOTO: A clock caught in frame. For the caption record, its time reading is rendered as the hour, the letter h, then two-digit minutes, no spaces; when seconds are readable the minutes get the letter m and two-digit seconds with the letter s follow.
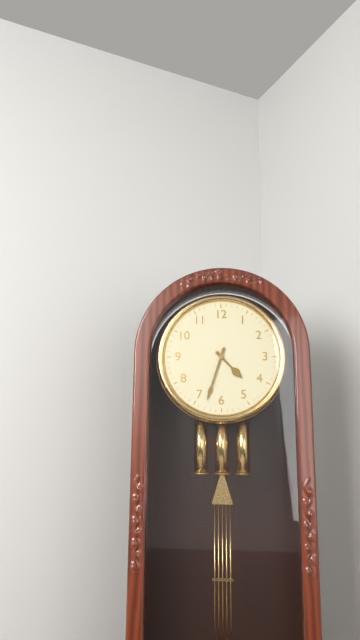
4h33
